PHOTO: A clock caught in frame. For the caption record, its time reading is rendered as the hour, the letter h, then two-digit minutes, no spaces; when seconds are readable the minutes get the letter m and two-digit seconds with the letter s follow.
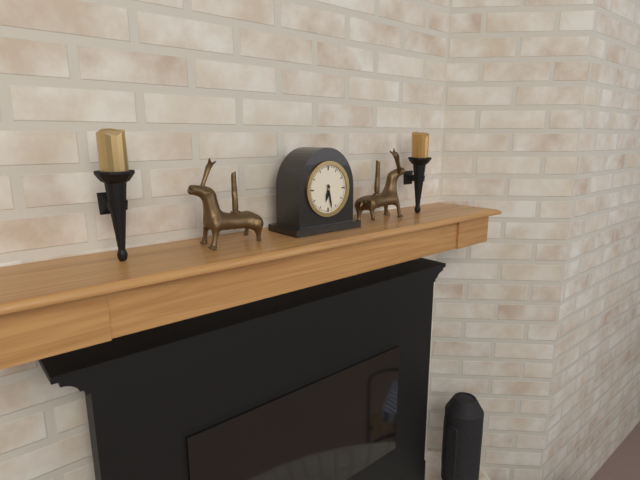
6h28
